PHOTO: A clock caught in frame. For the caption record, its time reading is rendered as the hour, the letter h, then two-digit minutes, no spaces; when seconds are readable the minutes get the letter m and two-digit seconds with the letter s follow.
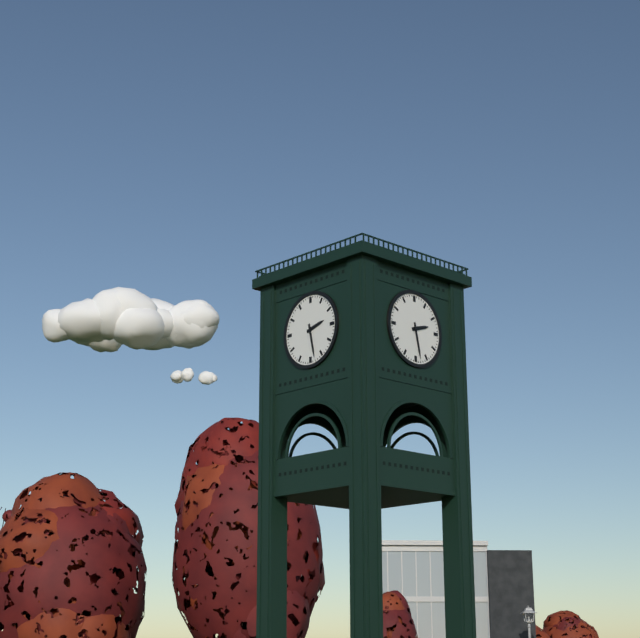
2h28
